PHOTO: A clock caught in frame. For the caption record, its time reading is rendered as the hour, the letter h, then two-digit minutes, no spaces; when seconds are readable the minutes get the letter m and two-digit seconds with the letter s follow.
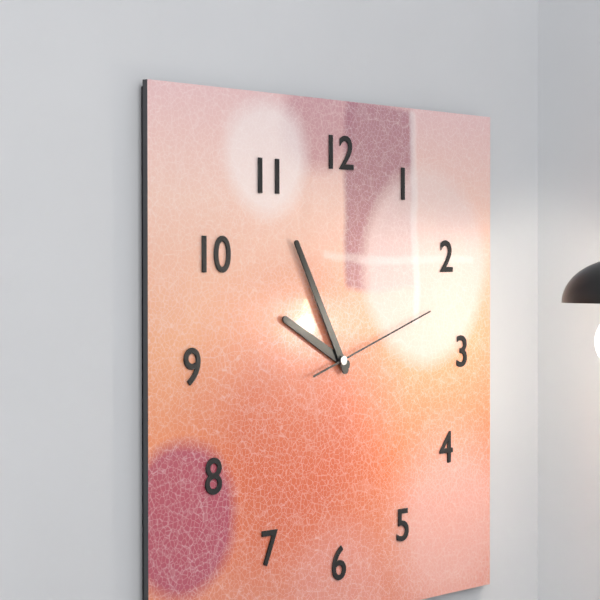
9h55m12s
